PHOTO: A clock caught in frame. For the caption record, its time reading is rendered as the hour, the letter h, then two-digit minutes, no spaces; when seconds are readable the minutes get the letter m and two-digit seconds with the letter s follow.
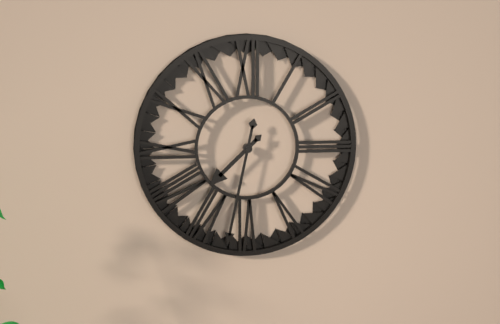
7h32
